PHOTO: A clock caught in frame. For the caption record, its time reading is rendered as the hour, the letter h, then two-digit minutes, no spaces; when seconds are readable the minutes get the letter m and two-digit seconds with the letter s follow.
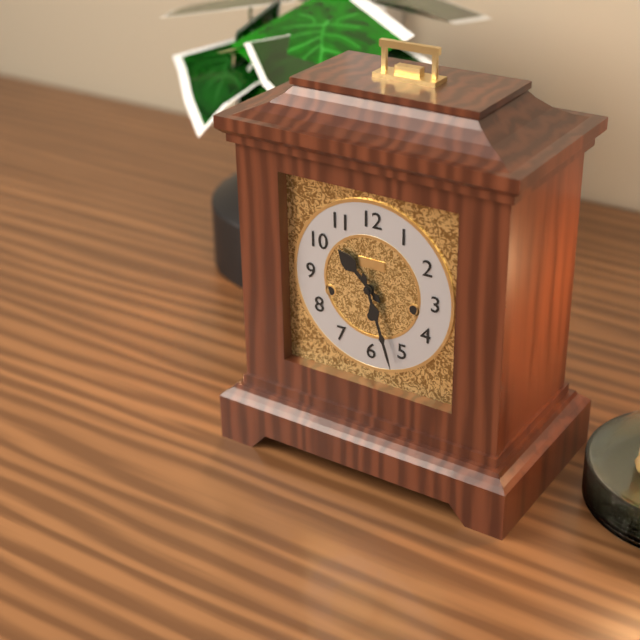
10h27
